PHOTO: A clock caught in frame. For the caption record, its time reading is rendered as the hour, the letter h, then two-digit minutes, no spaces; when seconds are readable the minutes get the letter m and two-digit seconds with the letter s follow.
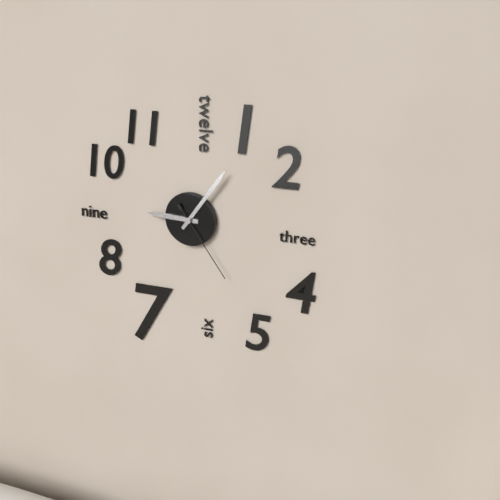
9h06m24s
